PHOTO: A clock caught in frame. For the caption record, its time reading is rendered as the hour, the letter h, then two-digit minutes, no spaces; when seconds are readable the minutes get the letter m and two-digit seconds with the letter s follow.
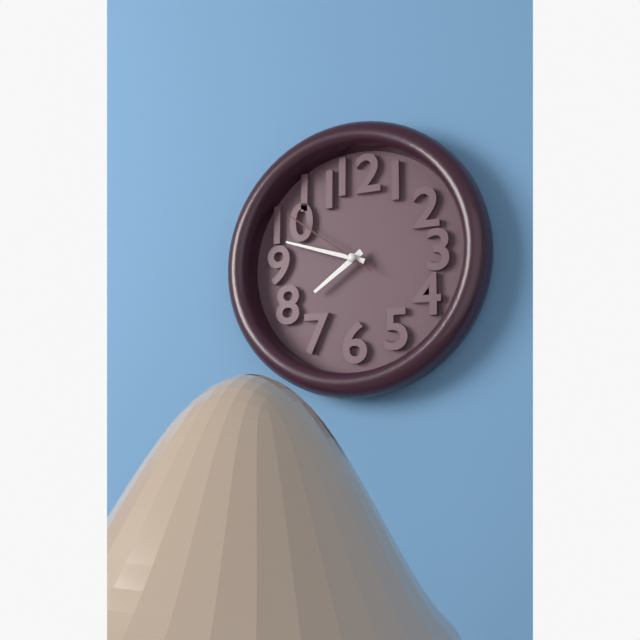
7h48m51s
